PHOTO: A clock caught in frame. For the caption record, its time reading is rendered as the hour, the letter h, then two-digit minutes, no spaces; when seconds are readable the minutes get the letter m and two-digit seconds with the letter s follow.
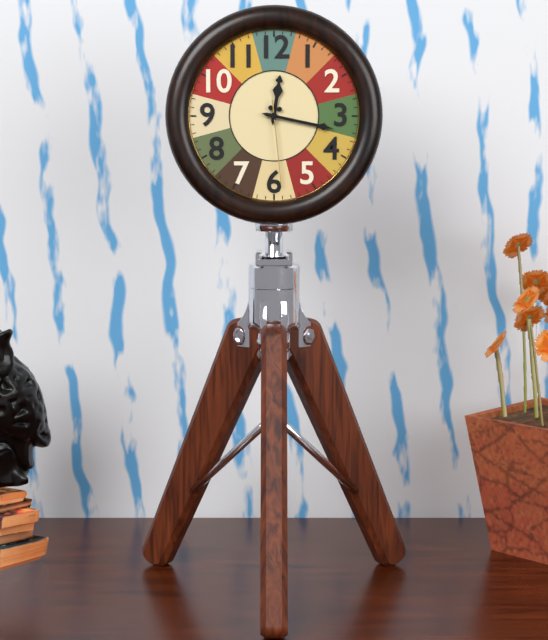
12h17m29s
